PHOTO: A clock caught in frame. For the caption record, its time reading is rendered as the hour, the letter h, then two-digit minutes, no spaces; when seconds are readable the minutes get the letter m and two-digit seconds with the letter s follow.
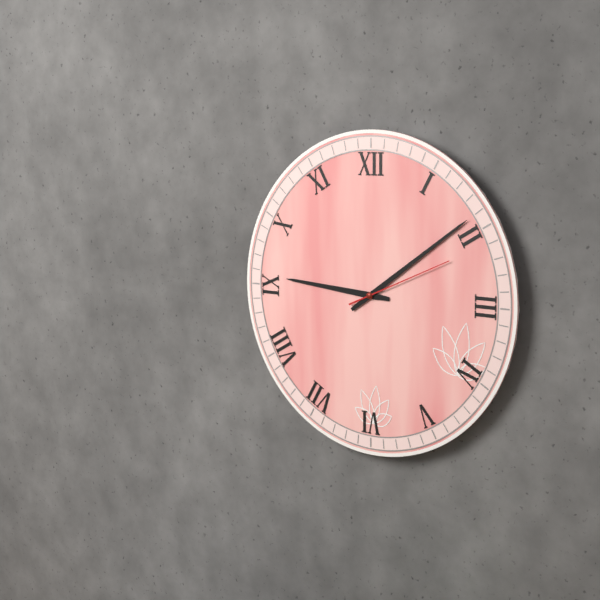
9h09m11s
